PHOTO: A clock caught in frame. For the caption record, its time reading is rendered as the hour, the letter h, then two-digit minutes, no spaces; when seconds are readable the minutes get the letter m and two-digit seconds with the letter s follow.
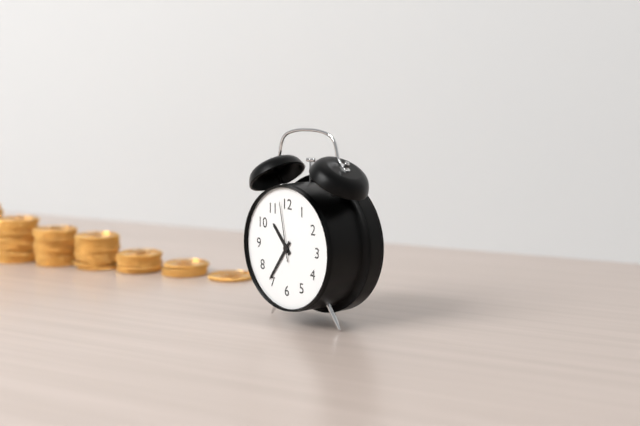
10h36m58s
